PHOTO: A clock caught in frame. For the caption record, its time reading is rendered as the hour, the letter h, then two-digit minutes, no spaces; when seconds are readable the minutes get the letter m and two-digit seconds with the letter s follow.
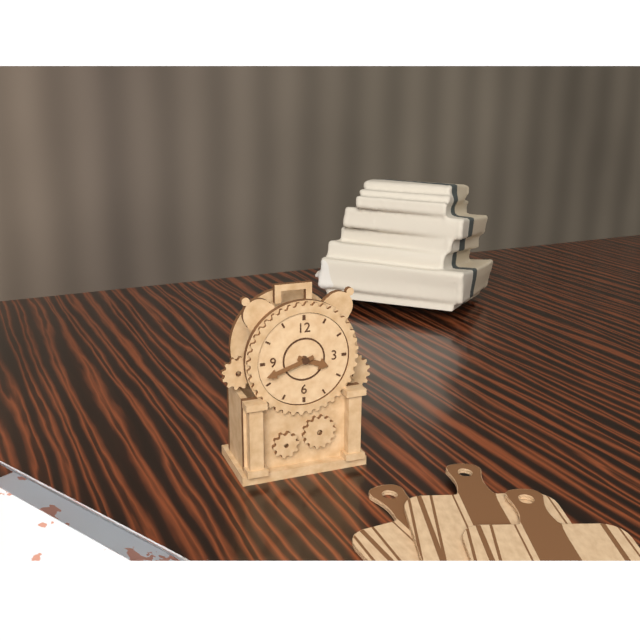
3h42
